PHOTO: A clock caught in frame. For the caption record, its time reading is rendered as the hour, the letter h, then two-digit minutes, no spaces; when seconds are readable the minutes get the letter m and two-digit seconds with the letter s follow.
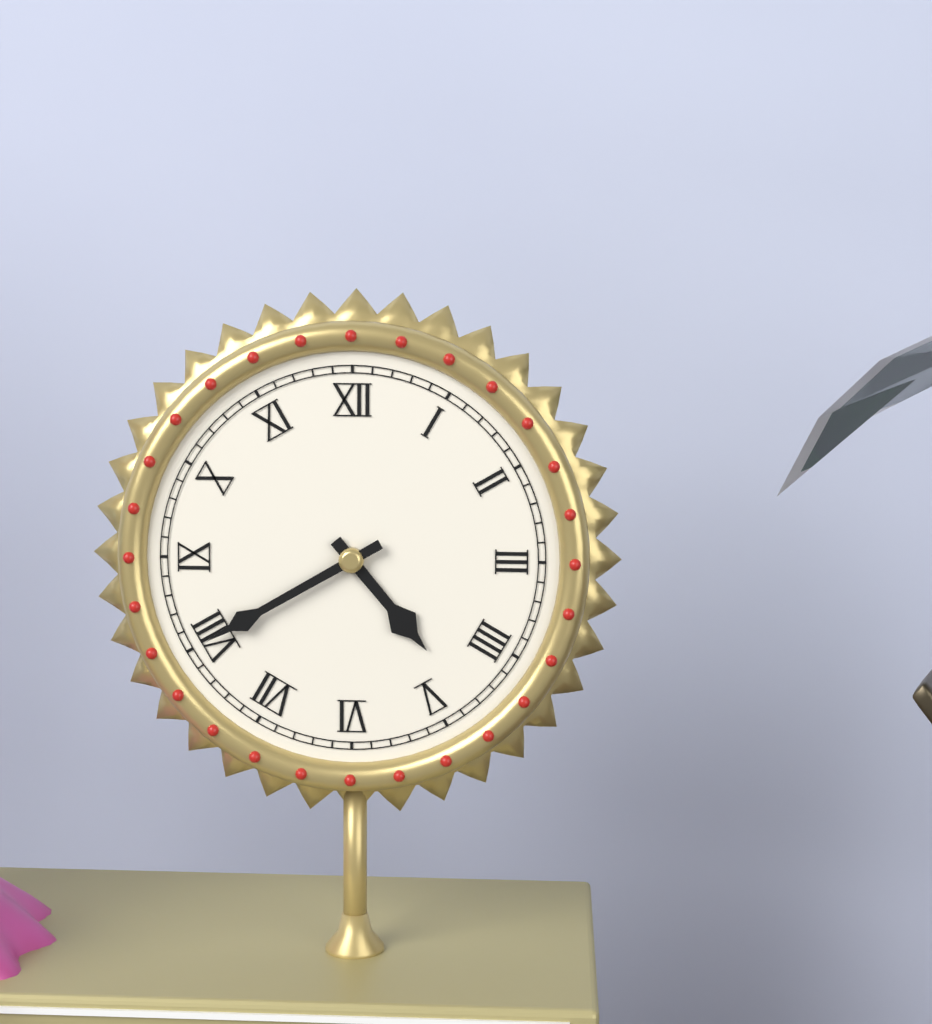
4h40
